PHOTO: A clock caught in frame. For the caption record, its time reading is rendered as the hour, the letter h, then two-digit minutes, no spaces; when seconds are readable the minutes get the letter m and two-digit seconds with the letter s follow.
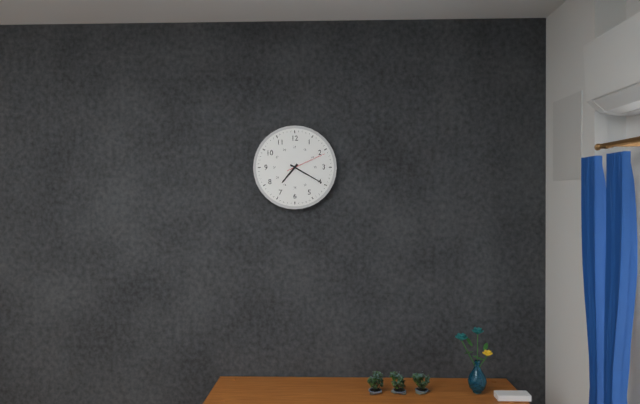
7h20
